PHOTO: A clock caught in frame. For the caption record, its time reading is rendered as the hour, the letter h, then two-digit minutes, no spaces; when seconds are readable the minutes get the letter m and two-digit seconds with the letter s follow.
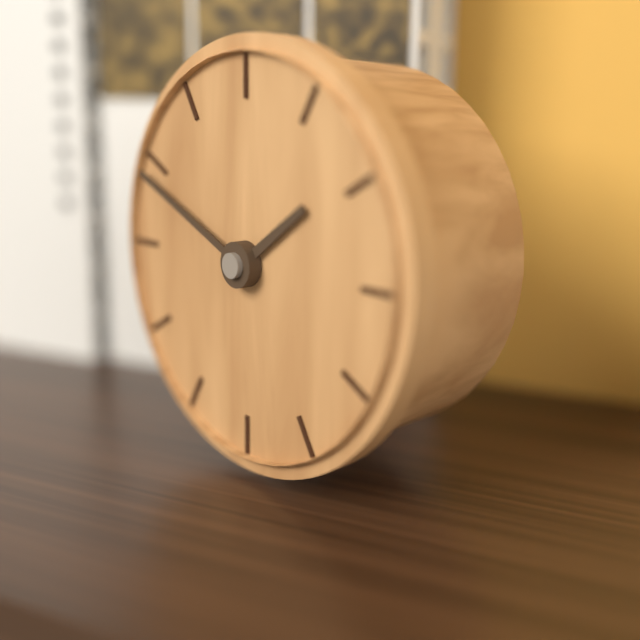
1h49
